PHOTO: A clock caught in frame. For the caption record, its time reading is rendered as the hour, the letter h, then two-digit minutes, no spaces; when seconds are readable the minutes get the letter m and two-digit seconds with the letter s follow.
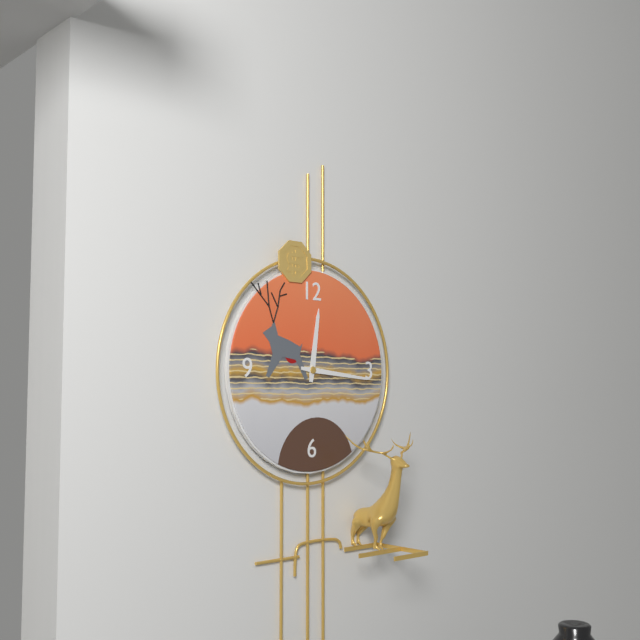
12h16
